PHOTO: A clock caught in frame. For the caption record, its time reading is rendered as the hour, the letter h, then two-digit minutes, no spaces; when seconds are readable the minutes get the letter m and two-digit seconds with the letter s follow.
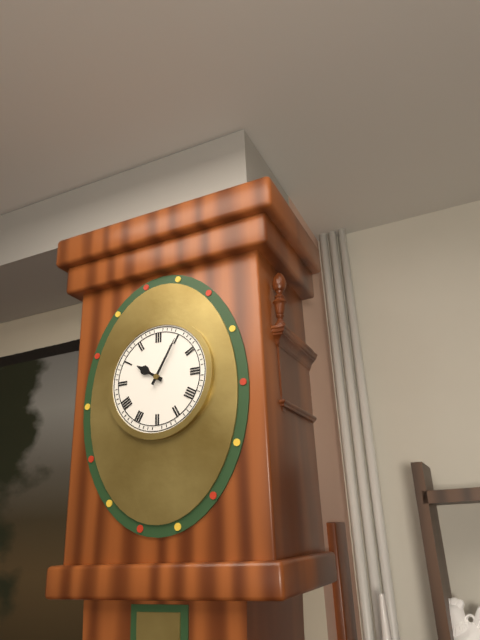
10h05
